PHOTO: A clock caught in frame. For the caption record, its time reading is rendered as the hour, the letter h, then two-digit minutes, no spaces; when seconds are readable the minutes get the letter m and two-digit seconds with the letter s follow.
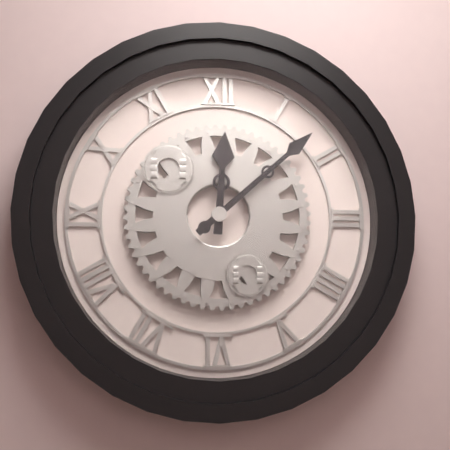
12h08
